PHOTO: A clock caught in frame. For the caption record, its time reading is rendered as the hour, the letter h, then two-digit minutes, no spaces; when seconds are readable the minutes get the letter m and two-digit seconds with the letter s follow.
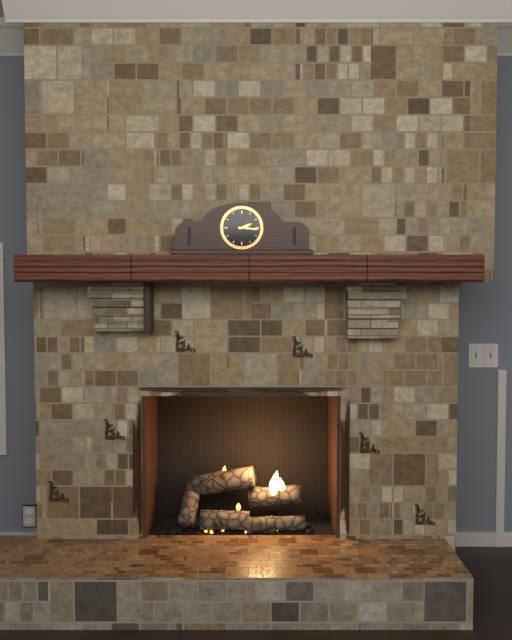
2h16
